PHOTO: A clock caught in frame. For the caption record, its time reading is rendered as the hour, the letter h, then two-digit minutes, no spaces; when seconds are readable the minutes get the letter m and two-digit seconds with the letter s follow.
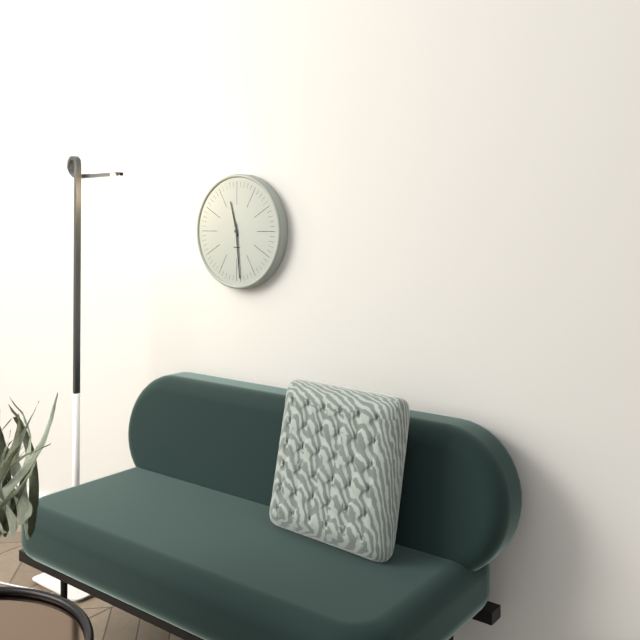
11h29
